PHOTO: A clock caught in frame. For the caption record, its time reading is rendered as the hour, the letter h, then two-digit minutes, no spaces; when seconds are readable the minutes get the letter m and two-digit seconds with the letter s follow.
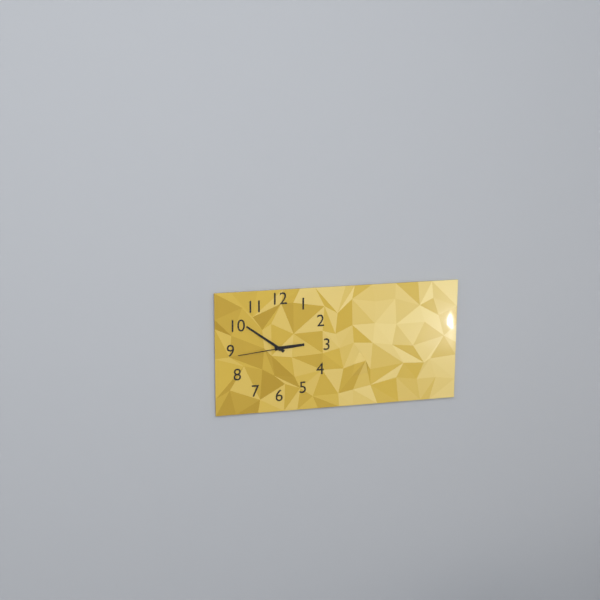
2h51m44s
